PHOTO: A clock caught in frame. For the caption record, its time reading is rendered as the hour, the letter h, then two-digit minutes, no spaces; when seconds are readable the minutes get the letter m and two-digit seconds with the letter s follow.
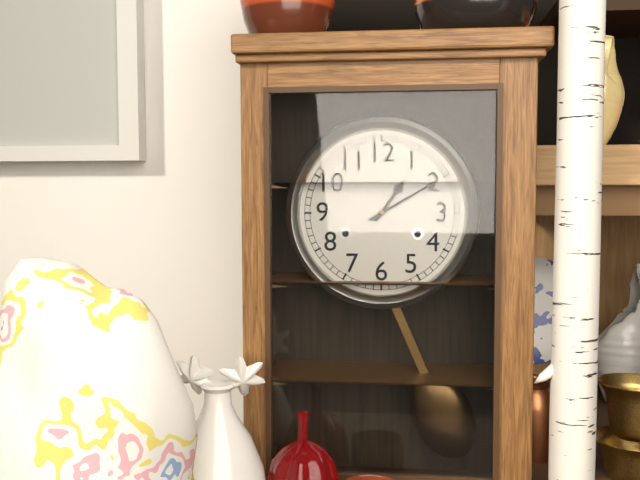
1h10
